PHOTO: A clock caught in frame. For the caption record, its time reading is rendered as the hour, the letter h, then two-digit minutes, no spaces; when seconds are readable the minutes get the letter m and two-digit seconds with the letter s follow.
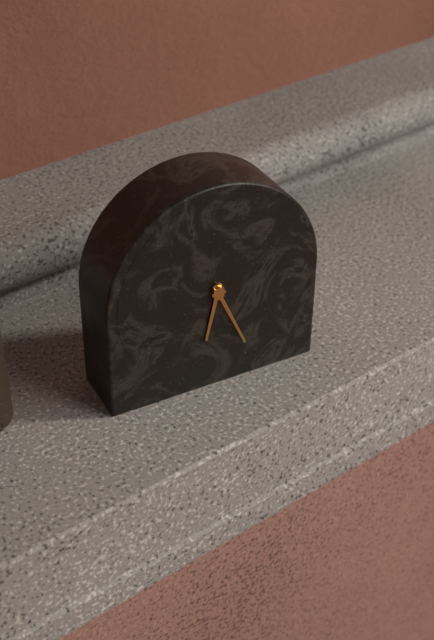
6h26
